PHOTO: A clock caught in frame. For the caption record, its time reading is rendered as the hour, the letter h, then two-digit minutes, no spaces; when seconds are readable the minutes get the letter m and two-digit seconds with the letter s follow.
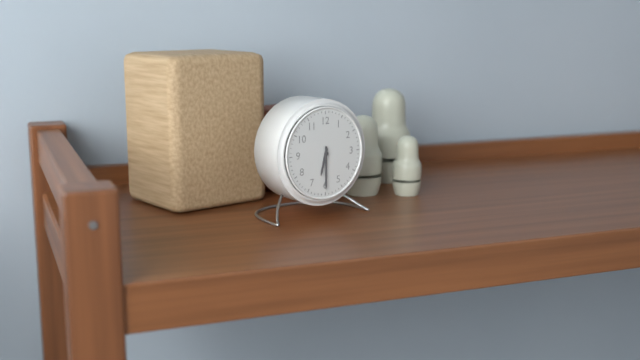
6h30
